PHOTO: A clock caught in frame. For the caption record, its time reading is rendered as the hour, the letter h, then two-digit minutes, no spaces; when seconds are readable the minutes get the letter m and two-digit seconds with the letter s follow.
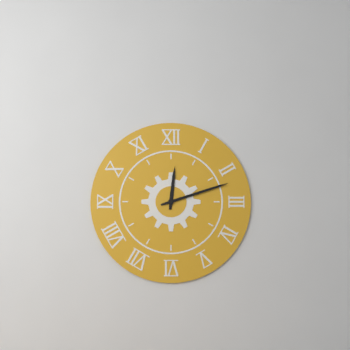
12h12
